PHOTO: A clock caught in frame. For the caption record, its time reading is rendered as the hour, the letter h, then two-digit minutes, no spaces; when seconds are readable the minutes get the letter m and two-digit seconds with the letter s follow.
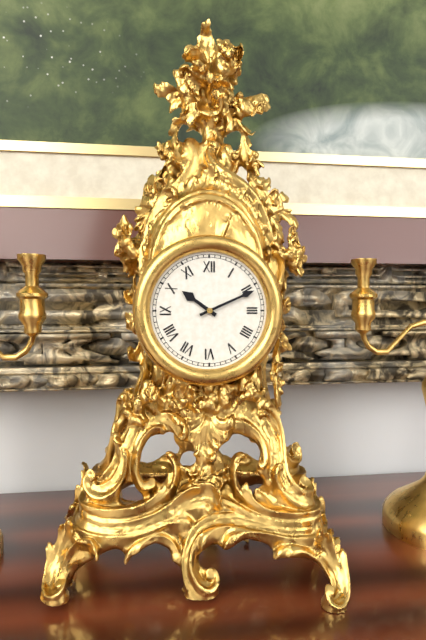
10h11
